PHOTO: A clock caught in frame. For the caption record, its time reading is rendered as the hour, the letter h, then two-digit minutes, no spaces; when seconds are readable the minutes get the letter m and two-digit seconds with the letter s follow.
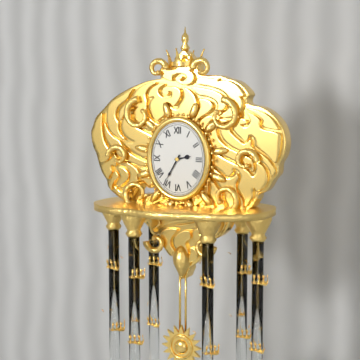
2h35
